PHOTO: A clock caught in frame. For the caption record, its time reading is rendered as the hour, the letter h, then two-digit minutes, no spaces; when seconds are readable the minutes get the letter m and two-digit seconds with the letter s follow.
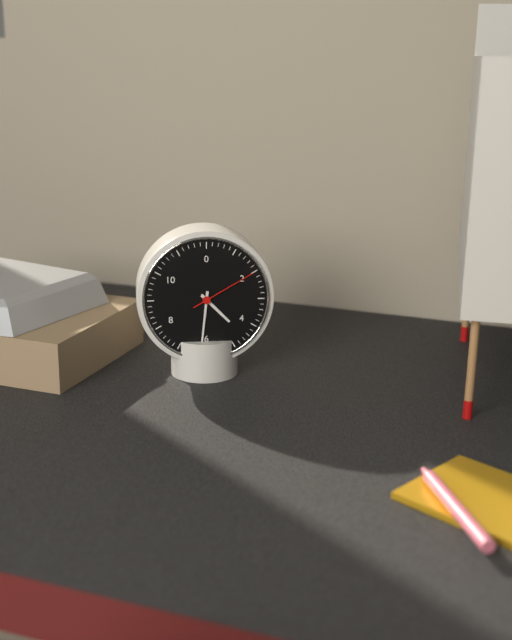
4h31m10s
